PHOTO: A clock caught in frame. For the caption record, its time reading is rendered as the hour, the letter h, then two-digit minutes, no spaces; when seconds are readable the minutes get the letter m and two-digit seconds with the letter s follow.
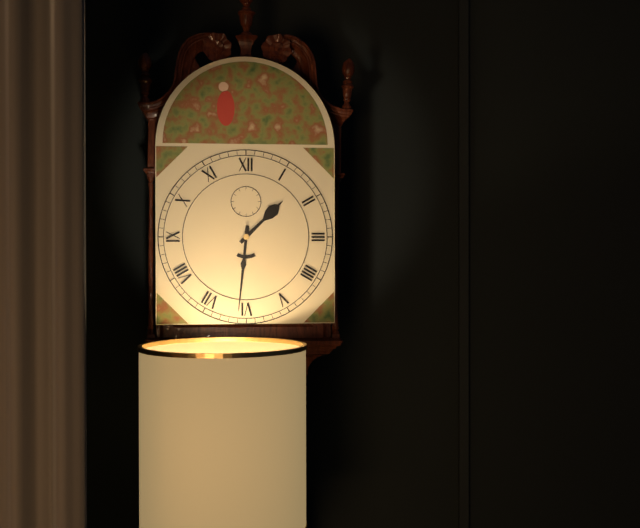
1h31
